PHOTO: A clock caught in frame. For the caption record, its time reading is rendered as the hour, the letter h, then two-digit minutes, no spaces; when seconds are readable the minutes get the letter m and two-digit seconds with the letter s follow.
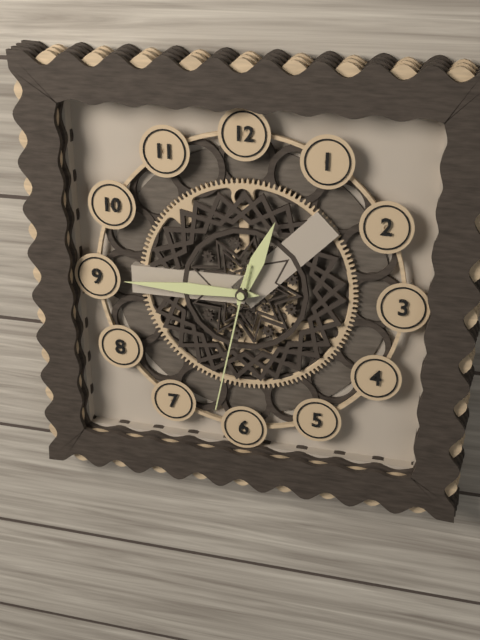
12h45m32s
